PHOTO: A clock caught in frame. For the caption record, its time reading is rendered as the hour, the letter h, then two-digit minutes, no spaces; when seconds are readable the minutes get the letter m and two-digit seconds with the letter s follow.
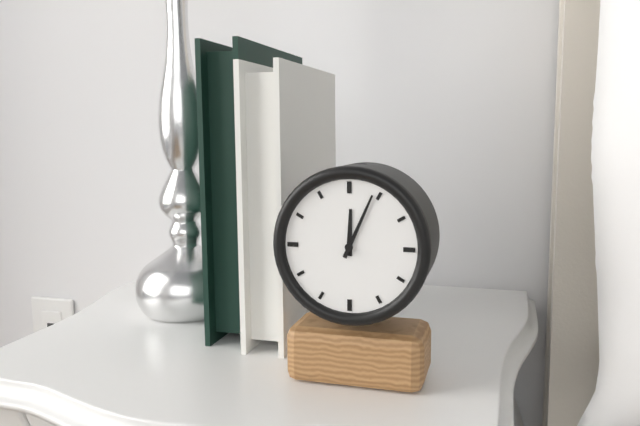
12h04
